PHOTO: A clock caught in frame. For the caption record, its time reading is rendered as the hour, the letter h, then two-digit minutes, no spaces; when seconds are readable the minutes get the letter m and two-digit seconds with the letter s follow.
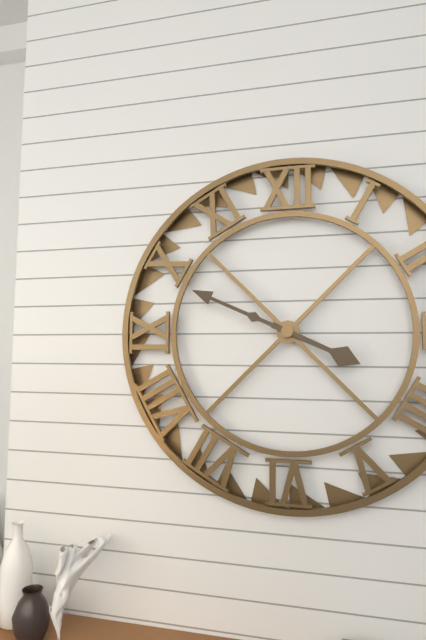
3h49
